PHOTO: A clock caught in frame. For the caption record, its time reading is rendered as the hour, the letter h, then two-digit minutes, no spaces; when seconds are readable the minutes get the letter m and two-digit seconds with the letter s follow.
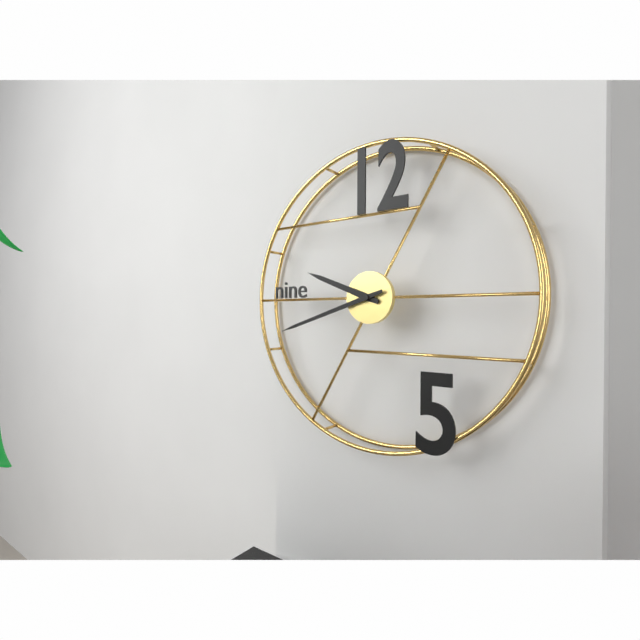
9h42
